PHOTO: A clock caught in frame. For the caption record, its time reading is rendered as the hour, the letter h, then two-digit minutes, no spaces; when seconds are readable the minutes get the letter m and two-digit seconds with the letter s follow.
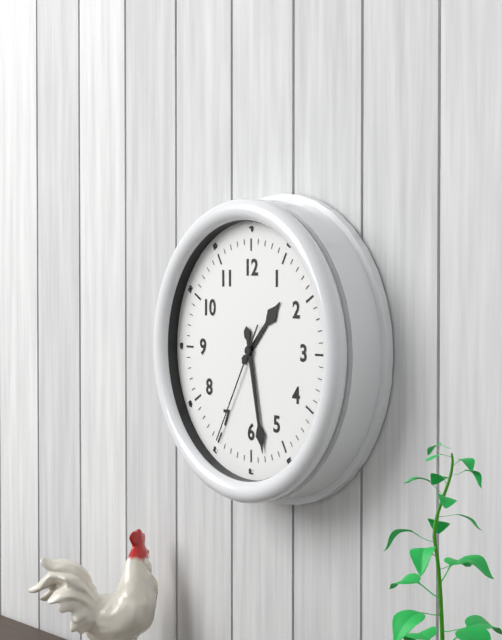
1h28m35s
